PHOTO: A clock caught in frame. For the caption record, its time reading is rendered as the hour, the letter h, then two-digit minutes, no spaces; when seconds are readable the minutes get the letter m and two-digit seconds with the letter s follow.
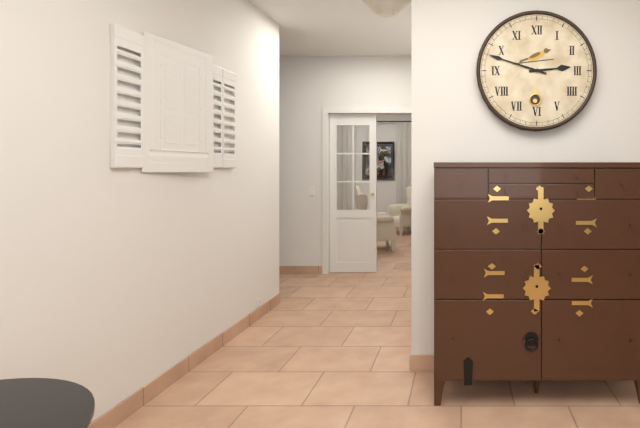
2h48
